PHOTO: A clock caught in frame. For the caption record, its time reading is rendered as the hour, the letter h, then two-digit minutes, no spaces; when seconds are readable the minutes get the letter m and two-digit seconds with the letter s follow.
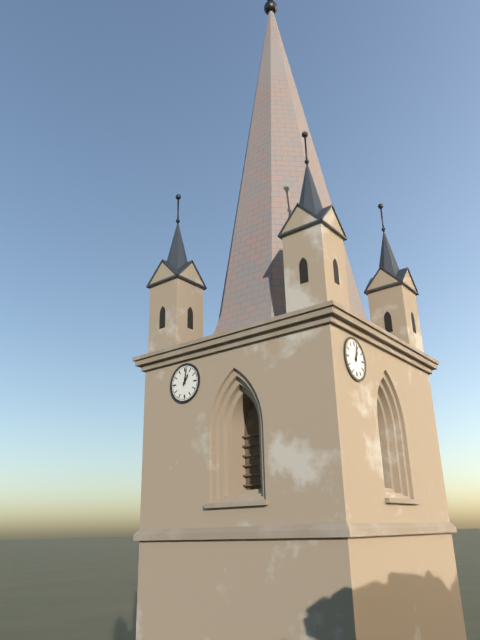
1h02
